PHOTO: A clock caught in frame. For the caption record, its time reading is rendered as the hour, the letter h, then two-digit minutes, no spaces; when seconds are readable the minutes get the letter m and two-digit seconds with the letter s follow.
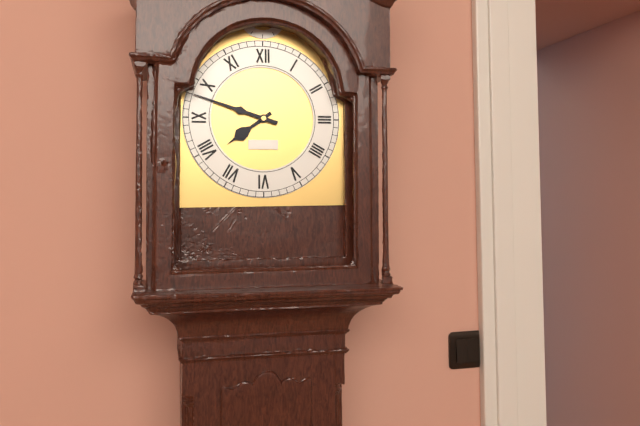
7h48
